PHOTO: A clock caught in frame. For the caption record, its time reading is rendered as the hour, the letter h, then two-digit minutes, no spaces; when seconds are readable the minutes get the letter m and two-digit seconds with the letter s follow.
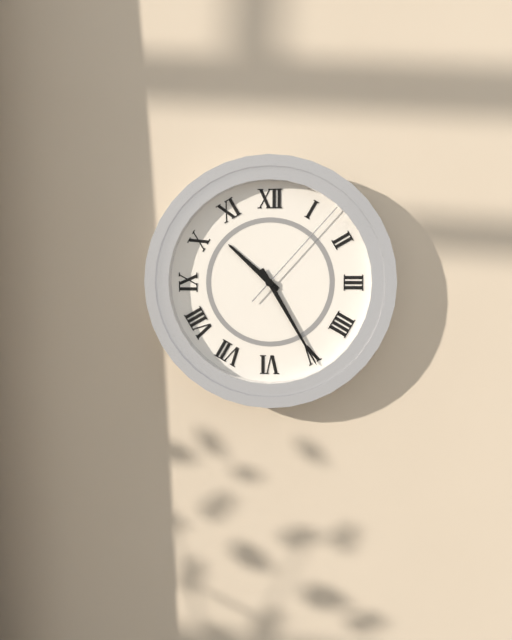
10h25m07s
